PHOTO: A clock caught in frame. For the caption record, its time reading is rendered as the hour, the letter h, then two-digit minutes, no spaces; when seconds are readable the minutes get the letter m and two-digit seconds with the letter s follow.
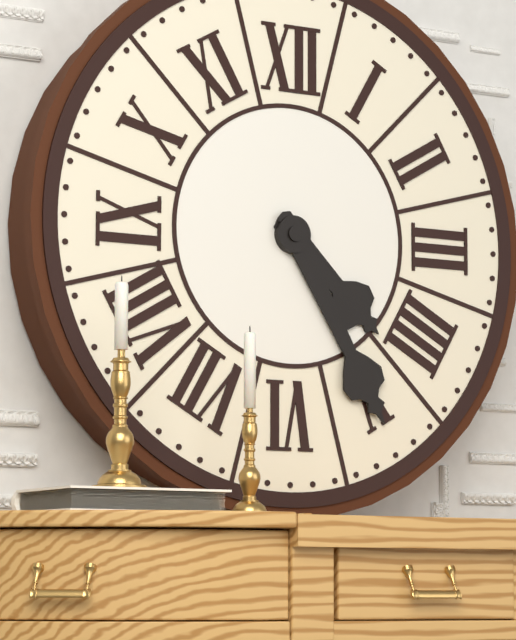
4h25
